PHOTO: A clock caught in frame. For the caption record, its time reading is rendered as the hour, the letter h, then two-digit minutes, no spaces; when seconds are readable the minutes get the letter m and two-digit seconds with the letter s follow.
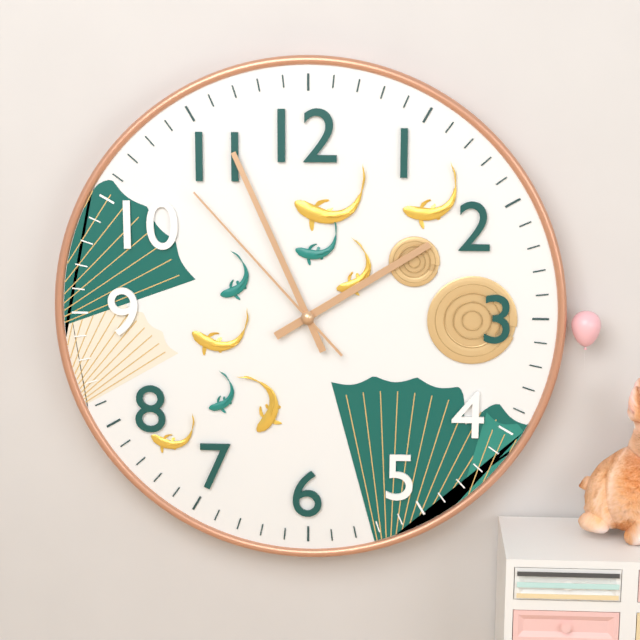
1h56m53s
